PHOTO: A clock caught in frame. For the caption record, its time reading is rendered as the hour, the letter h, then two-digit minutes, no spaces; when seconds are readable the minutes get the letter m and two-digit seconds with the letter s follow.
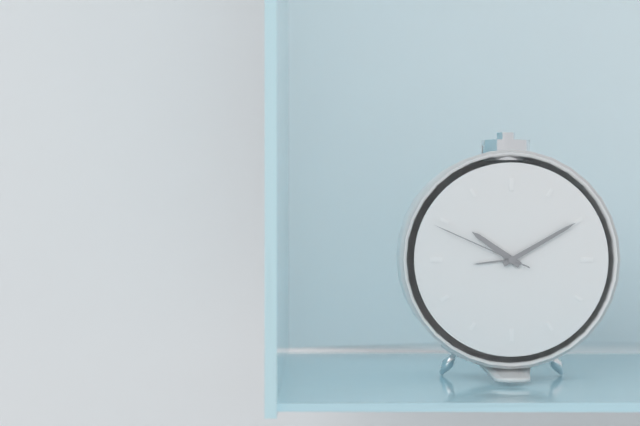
10h10m49s
